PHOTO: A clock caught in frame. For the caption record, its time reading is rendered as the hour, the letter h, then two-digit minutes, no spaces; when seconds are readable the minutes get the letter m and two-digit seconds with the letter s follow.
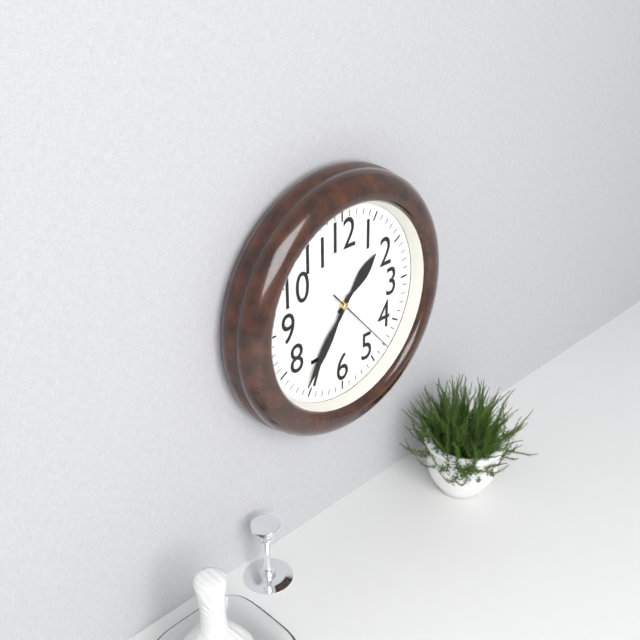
1h36m23s
